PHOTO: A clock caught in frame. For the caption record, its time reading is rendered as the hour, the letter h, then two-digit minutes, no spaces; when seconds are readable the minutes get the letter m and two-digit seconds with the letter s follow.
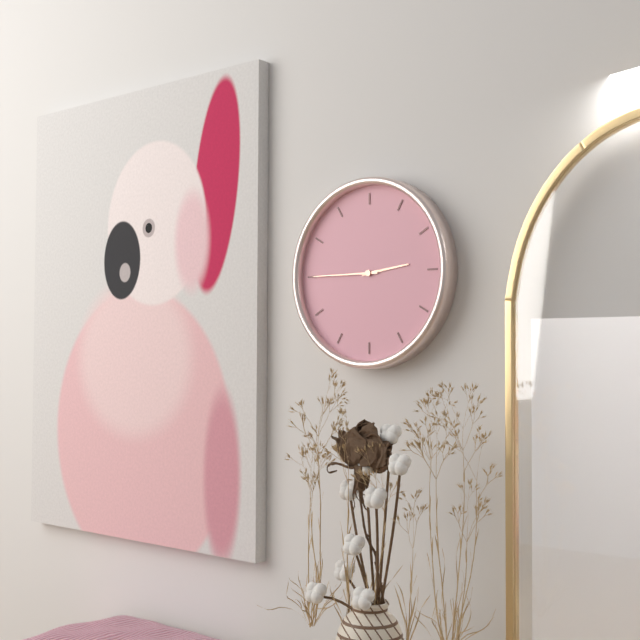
2h45
